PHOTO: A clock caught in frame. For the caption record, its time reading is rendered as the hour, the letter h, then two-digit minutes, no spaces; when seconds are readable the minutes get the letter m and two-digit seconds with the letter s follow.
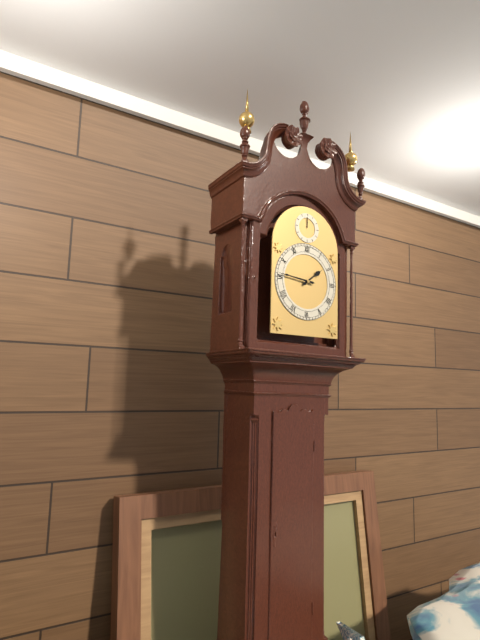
1h46
